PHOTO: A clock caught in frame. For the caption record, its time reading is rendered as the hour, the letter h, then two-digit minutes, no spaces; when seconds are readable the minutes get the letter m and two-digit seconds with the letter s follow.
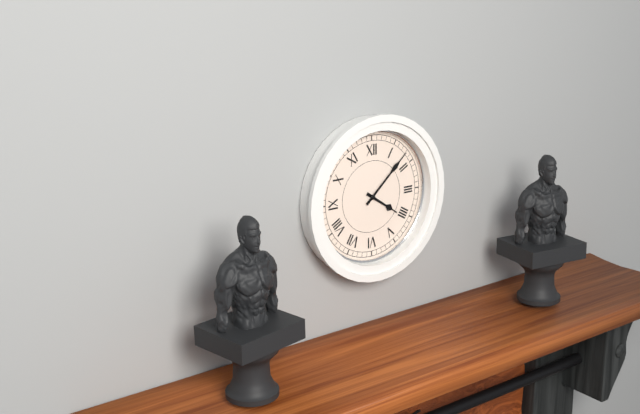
4h08
